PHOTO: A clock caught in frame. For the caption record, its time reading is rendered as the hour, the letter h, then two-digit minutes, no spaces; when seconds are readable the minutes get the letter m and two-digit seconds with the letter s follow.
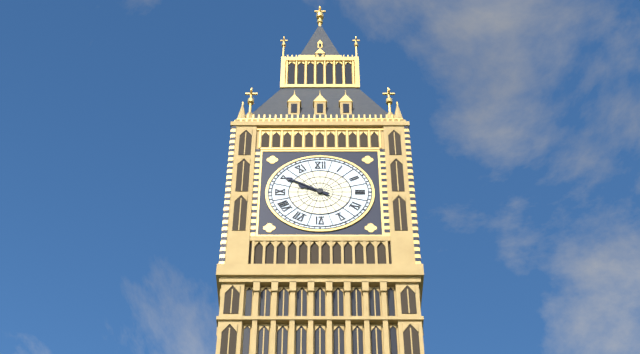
9h50
